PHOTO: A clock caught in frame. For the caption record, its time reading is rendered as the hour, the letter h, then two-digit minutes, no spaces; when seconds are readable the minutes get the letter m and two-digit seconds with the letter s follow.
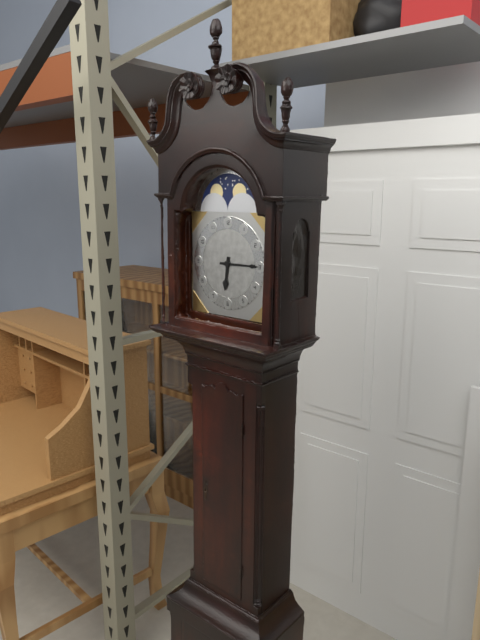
6h15
